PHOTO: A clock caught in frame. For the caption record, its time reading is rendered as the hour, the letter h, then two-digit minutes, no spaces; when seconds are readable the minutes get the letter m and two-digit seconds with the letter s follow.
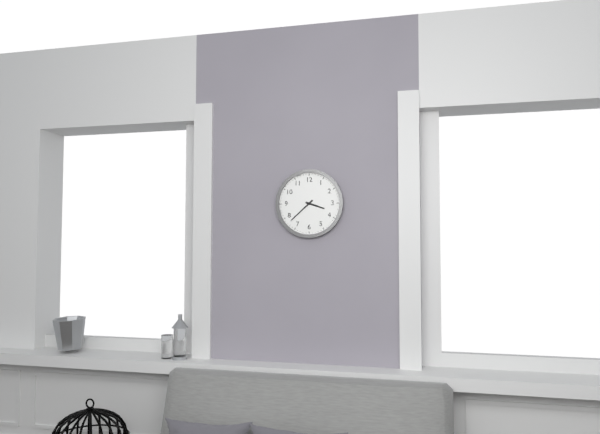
3h38
